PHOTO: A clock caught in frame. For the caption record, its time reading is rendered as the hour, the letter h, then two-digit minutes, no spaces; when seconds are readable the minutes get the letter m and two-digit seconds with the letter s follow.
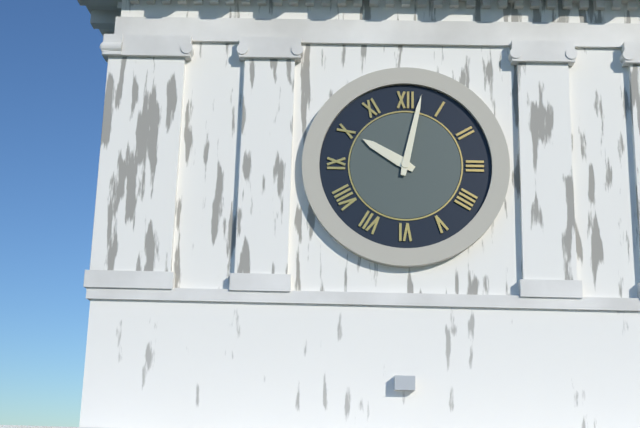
10h02
